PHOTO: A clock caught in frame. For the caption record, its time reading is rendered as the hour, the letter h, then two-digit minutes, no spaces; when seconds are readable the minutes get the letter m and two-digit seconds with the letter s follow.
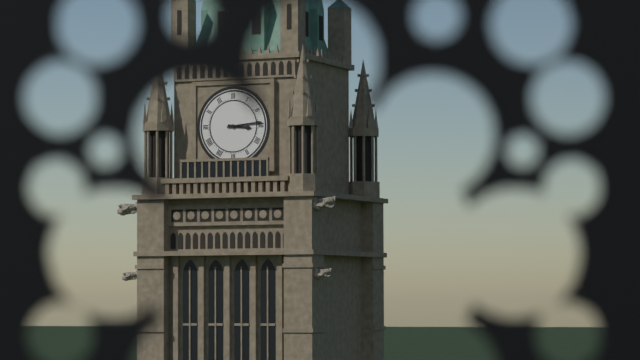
3h14
